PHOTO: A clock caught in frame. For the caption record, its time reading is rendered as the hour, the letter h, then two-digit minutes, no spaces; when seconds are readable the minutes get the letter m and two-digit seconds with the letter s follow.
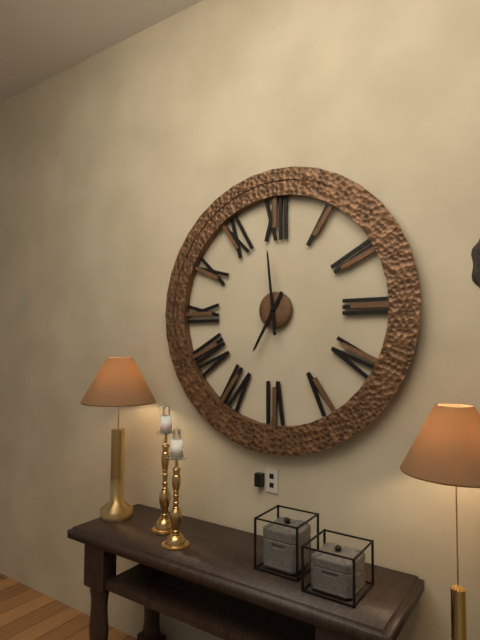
6h59
